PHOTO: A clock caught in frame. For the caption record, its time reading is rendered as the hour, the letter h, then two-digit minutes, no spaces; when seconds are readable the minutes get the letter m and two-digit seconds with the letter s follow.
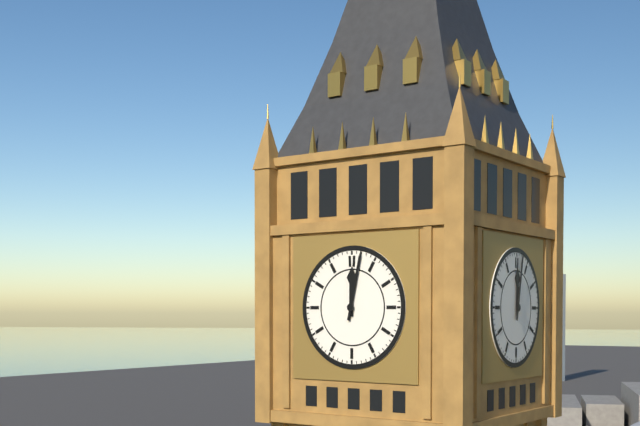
12h02
